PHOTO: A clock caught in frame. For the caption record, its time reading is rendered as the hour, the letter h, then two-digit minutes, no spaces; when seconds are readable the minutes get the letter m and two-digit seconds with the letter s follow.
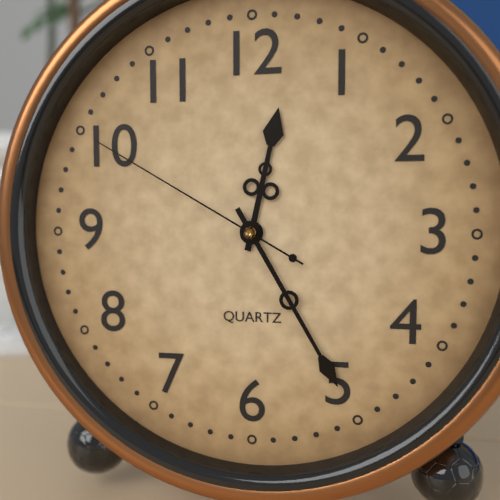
12h25m50s
